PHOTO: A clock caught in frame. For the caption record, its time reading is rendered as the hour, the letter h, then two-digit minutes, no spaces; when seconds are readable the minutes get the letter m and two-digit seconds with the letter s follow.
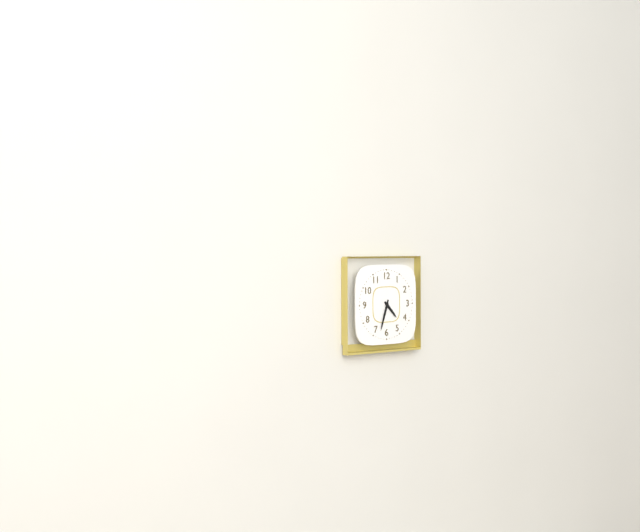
4h33
